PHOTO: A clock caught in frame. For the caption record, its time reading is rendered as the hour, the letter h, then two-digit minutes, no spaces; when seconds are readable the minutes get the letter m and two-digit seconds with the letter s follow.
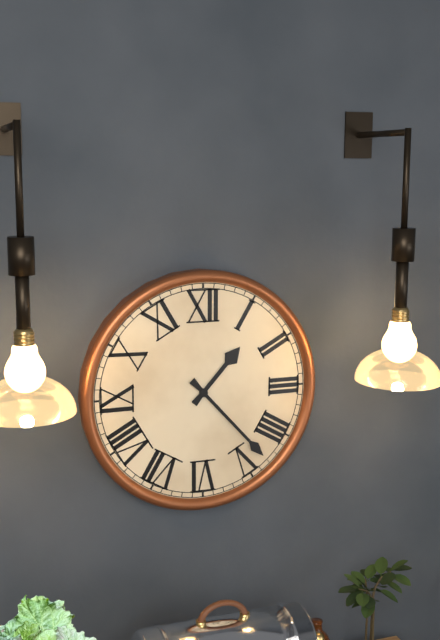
1h23
